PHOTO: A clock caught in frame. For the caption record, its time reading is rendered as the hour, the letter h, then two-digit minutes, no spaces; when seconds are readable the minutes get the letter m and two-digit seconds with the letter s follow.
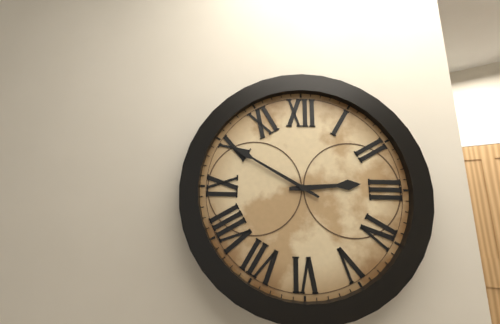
2h50
